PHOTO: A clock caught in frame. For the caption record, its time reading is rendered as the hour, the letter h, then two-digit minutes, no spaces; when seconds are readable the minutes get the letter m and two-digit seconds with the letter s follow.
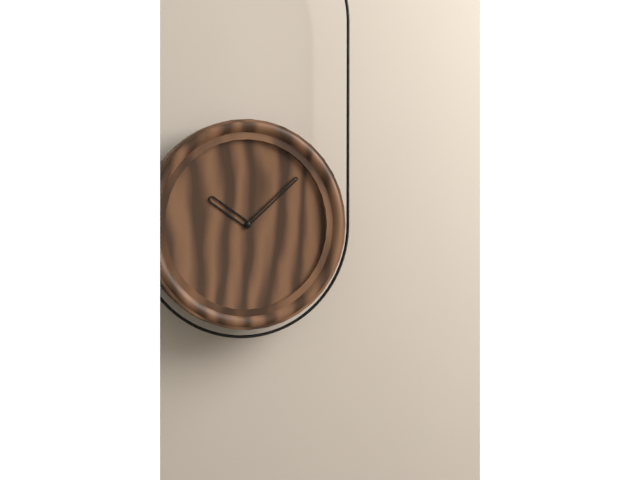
10h08
